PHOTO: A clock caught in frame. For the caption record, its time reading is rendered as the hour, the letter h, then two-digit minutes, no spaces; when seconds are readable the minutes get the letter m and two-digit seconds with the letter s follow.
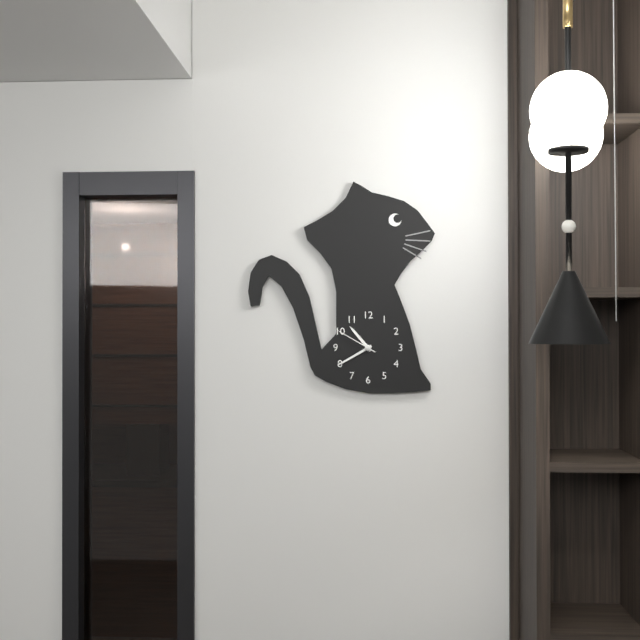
10h40
